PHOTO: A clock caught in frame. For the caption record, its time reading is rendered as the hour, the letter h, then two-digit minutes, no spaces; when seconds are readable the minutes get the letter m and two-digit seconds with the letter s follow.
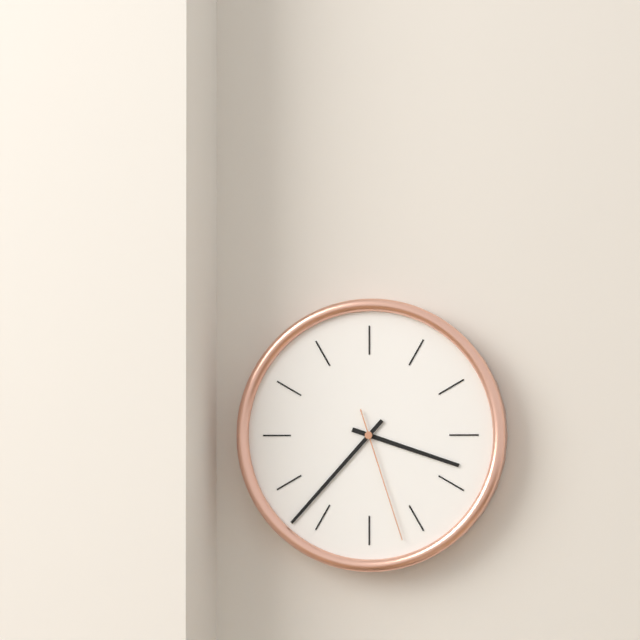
3h37m27s
